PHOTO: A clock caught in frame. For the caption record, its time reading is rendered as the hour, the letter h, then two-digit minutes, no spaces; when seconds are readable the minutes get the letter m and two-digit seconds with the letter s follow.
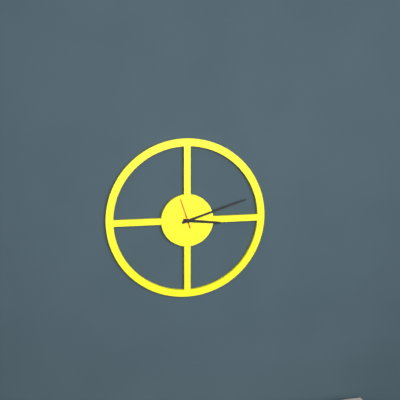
3h12
